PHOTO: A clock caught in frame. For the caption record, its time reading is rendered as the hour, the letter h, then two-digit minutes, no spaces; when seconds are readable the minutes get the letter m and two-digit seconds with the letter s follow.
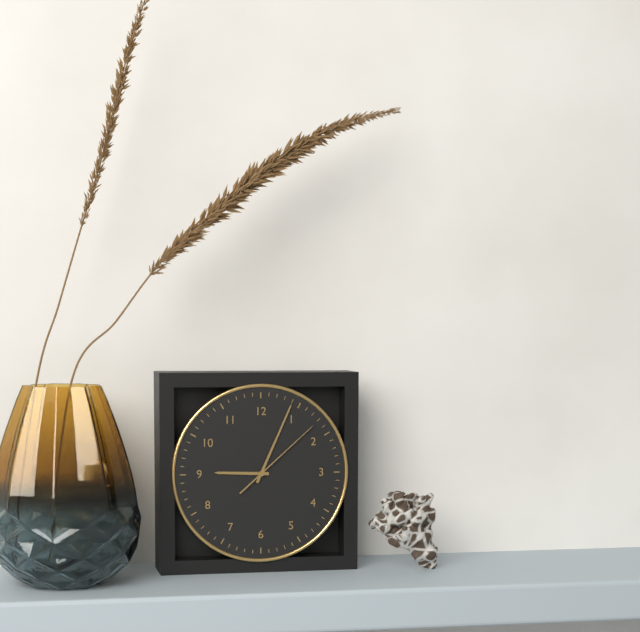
9h04m08s
